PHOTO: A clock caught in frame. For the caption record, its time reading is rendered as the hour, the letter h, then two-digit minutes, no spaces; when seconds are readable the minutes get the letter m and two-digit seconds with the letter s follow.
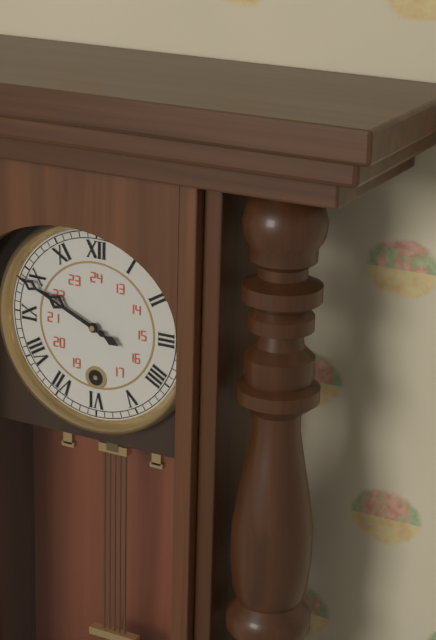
9h49
